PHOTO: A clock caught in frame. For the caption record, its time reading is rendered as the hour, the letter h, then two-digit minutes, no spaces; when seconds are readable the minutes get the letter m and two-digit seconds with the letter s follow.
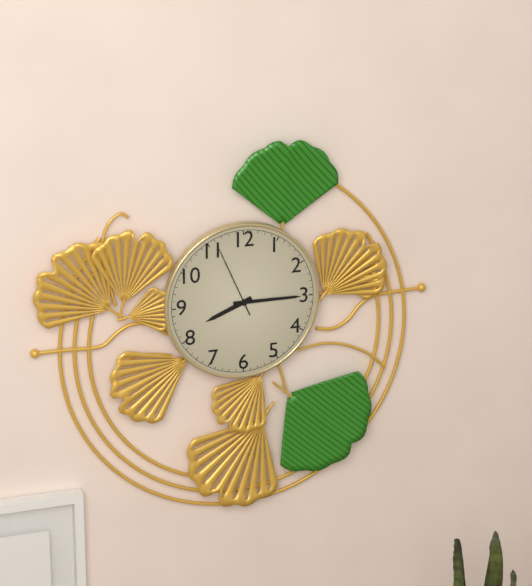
8h15m56s
